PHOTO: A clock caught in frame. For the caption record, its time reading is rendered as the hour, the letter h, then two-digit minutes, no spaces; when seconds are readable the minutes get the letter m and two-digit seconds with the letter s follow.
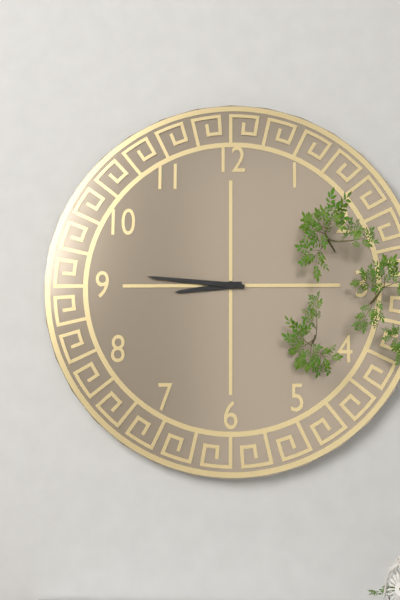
8h46
